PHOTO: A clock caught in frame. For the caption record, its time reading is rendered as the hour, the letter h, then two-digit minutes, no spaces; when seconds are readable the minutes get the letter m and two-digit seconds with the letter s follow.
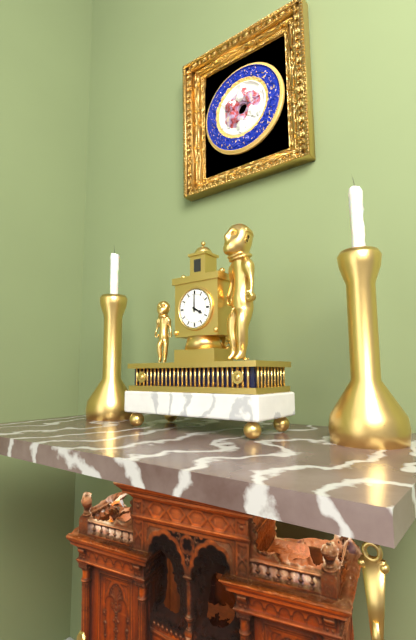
4h00
